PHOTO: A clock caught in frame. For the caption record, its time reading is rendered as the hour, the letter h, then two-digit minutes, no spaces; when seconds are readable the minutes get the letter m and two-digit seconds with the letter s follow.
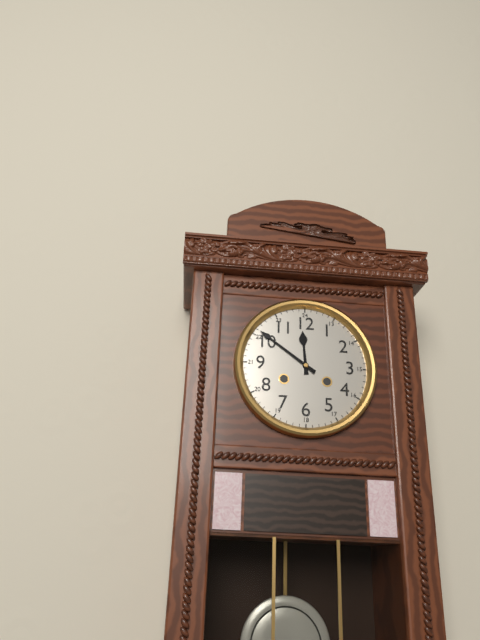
11h51
